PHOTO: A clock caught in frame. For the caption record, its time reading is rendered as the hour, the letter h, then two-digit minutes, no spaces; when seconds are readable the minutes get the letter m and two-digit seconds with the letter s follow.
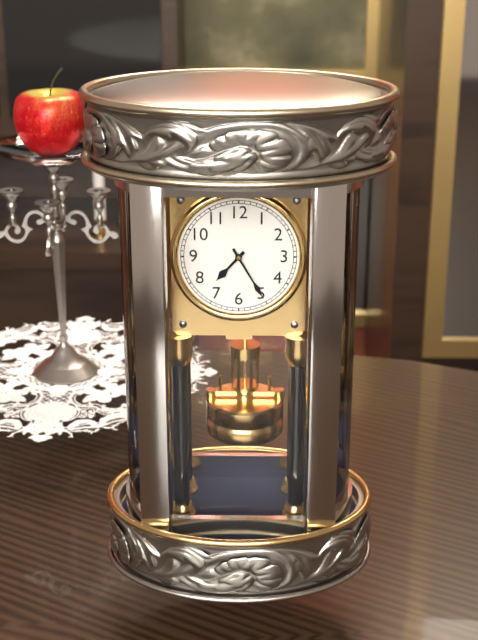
7h25
